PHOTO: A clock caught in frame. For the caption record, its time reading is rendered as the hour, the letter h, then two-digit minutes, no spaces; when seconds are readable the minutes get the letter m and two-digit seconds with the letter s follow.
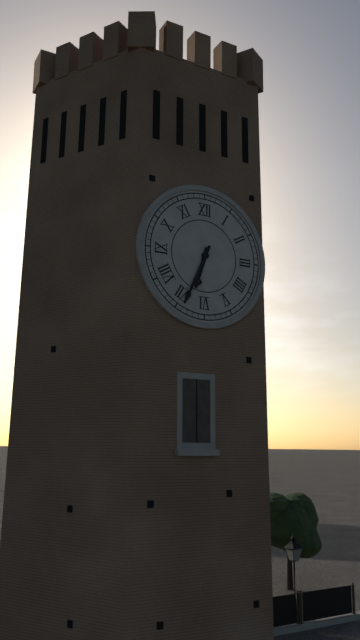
6h34
